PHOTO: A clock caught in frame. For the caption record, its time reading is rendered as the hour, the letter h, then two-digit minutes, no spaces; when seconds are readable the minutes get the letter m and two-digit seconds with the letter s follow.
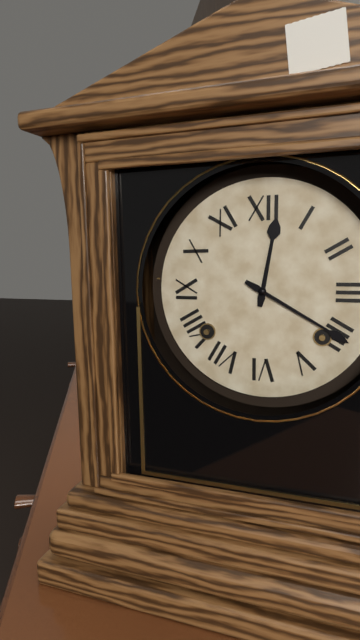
12h20
